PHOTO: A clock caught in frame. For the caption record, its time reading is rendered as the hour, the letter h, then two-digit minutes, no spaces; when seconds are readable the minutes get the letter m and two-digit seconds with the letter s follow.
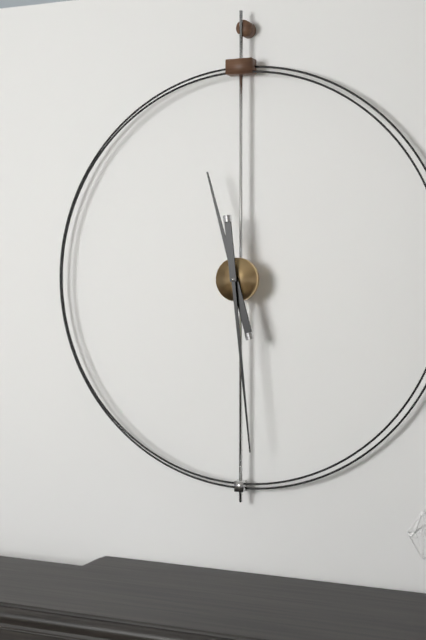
11h29
